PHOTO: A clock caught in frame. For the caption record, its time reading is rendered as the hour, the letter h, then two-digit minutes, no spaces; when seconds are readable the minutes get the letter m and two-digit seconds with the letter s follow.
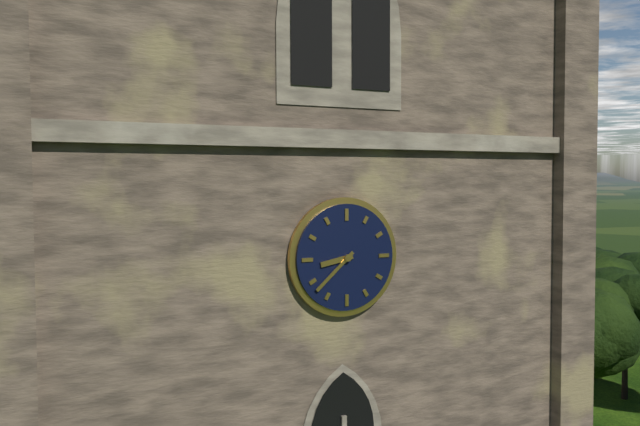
8h38
